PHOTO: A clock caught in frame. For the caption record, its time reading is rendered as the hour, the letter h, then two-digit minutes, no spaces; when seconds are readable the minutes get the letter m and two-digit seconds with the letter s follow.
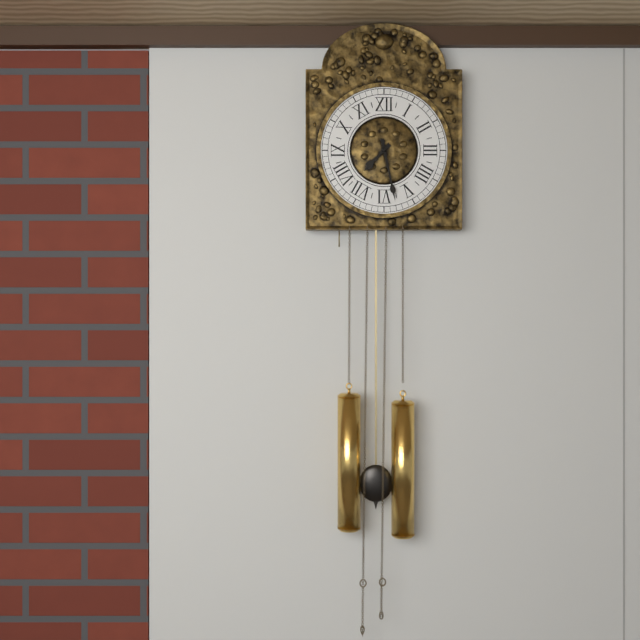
7h28
